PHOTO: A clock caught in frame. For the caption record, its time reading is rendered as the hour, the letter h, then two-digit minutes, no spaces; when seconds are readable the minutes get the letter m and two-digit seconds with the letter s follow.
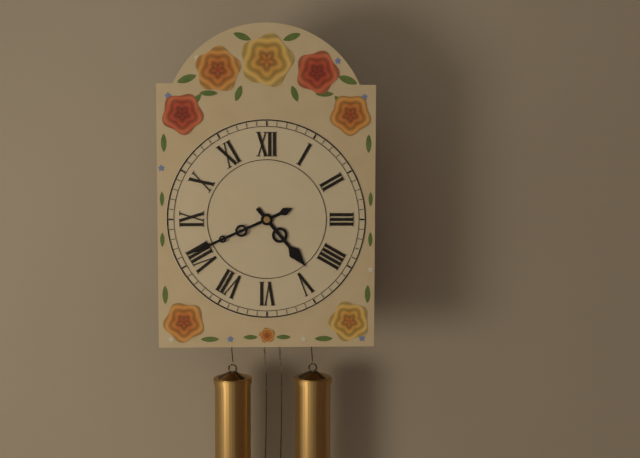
4h41
